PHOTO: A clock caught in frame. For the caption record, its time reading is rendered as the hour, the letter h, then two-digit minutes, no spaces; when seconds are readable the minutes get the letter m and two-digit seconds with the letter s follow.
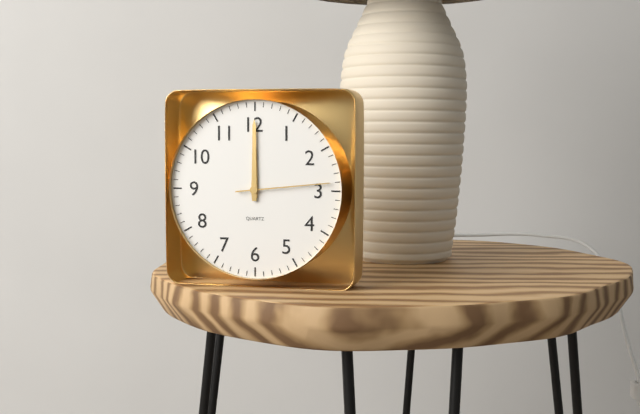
12h00m14s
